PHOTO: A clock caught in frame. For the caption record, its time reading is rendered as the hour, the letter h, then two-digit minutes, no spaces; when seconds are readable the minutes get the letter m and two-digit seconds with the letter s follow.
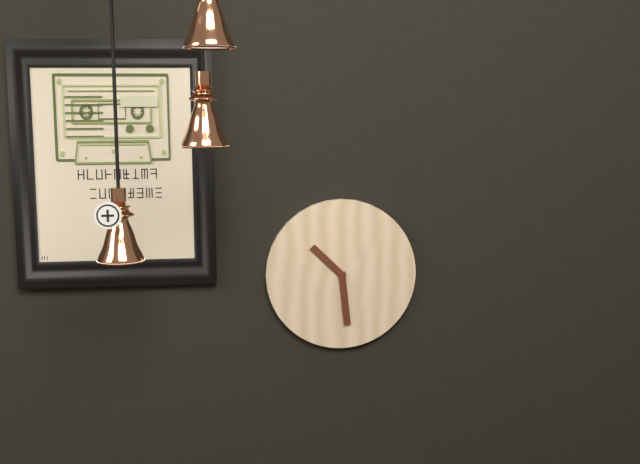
10h29
